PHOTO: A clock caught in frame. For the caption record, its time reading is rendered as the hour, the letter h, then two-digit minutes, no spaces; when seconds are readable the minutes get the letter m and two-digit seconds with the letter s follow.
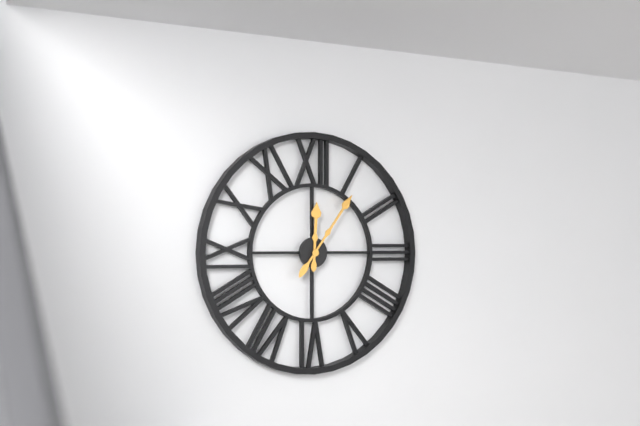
12h06
